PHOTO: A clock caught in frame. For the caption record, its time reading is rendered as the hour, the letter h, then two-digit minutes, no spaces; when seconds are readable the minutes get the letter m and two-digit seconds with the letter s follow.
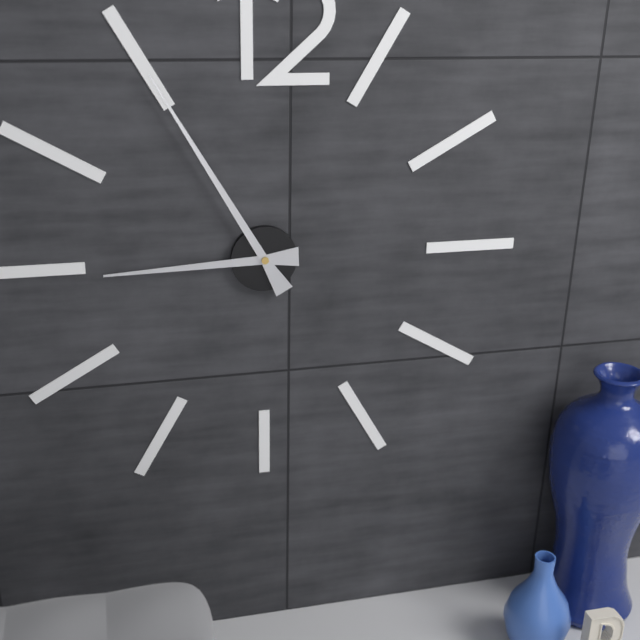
8h55
